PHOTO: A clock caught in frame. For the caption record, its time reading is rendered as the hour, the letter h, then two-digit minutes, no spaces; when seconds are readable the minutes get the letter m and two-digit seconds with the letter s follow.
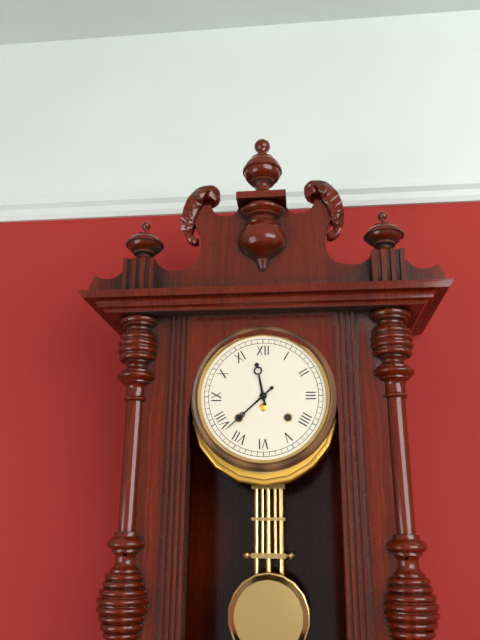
11h38
